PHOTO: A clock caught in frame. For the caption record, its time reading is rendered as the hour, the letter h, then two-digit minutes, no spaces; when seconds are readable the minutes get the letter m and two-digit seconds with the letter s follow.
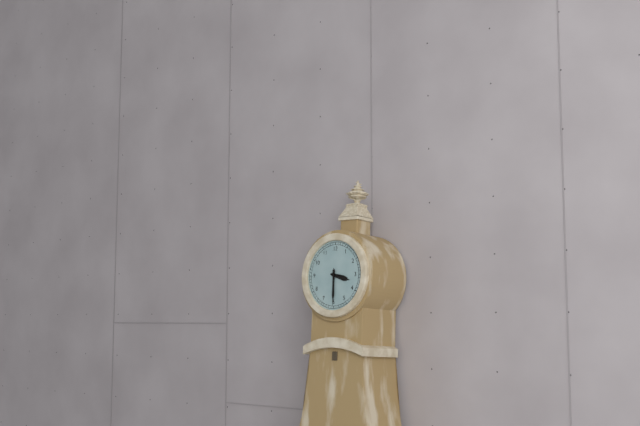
3h30
